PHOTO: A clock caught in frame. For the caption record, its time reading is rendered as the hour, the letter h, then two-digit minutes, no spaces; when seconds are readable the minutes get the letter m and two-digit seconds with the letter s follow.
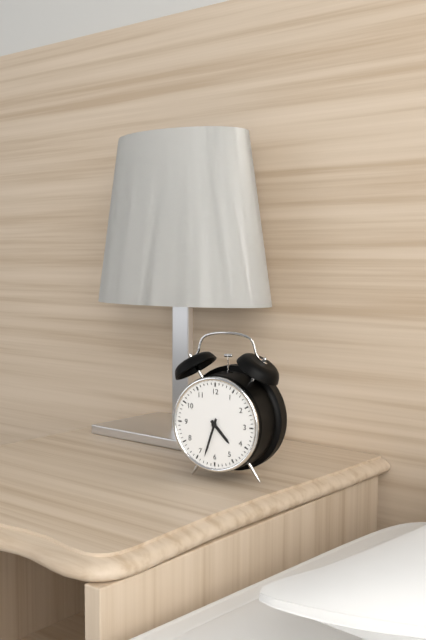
4h33
